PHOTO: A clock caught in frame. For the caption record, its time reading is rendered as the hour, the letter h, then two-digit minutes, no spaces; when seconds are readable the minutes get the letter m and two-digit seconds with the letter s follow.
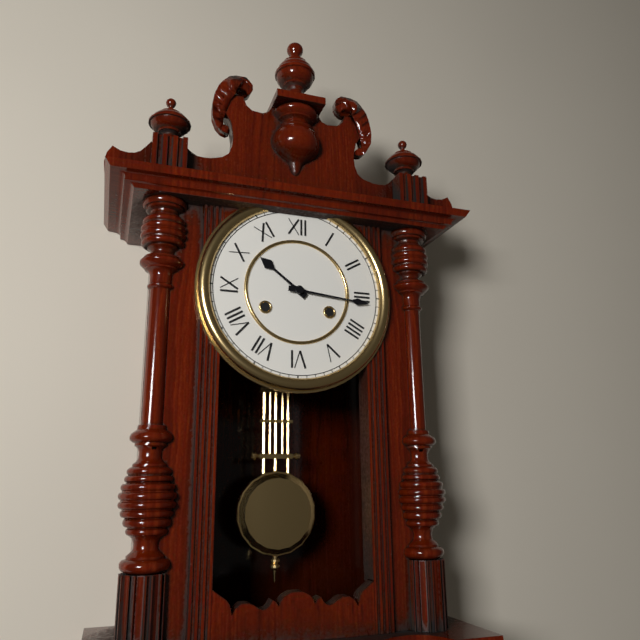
10h16
